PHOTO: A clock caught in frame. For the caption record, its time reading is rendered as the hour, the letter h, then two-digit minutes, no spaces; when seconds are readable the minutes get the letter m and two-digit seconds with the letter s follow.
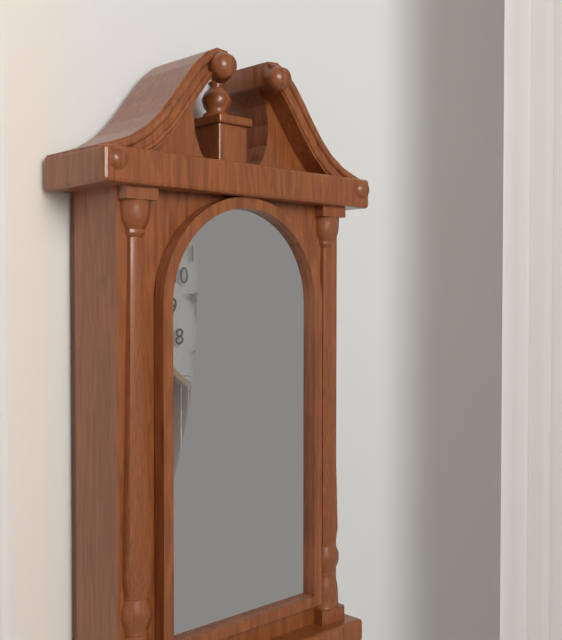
9h34
